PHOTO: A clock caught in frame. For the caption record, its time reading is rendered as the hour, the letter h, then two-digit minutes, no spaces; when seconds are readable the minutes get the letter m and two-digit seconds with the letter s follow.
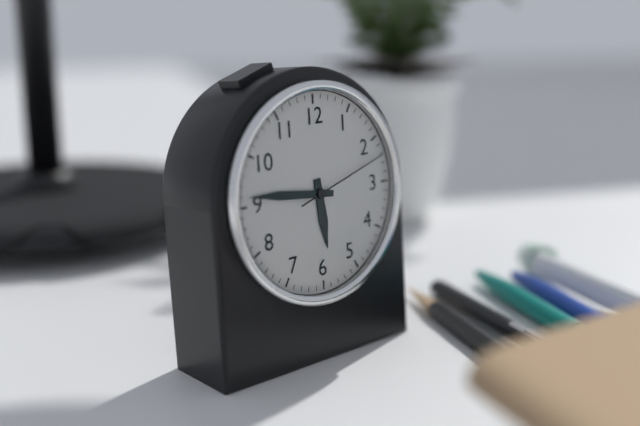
5h46m12s
